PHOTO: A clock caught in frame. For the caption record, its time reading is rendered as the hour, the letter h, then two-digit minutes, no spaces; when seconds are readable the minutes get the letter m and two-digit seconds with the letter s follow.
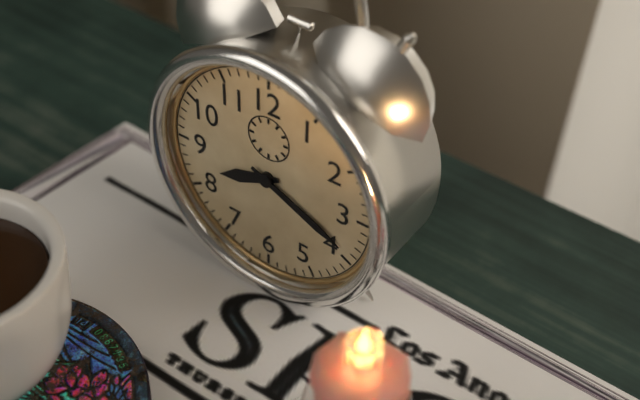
8h19
